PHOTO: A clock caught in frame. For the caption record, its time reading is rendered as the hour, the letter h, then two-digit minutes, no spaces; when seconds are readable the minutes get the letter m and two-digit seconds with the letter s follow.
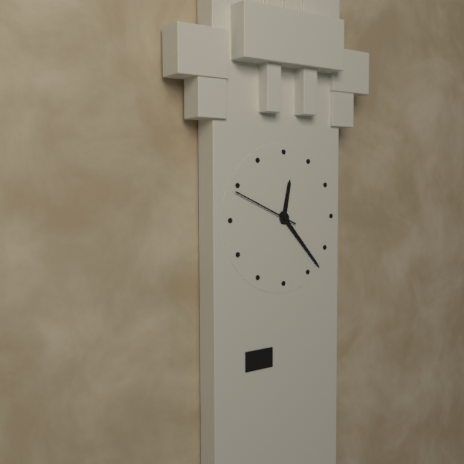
12h23m49s
